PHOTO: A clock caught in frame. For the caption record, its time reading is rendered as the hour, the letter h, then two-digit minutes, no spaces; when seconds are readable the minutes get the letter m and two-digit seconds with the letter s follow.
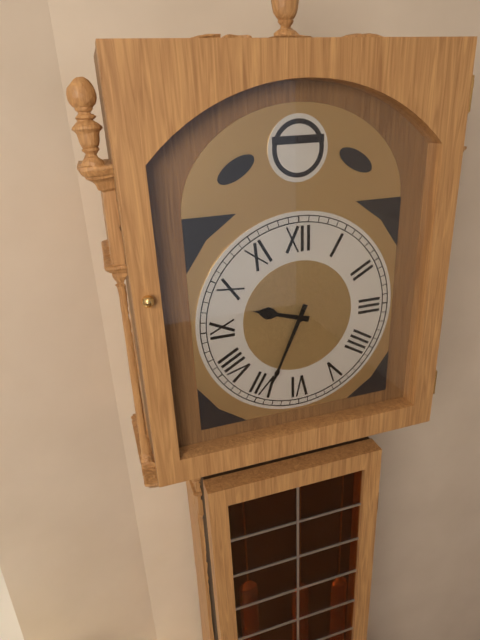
9h34
